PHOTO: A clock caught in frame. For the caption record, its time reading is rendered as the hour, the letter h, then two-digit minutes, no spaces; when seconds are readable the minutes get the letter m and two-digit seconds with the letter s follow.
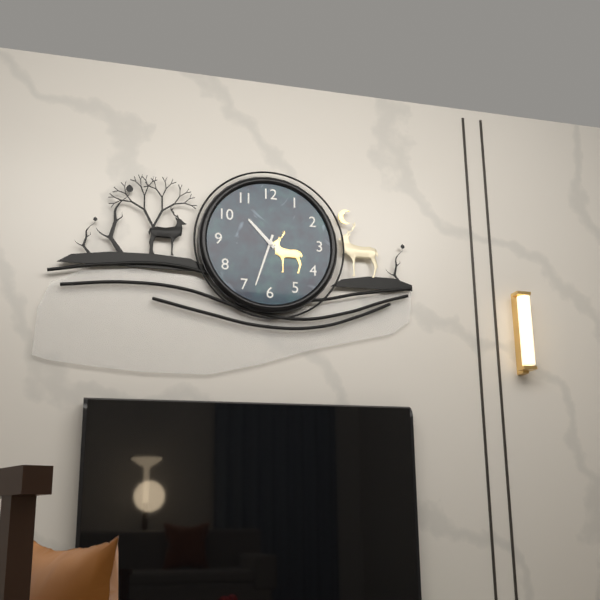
10h33
